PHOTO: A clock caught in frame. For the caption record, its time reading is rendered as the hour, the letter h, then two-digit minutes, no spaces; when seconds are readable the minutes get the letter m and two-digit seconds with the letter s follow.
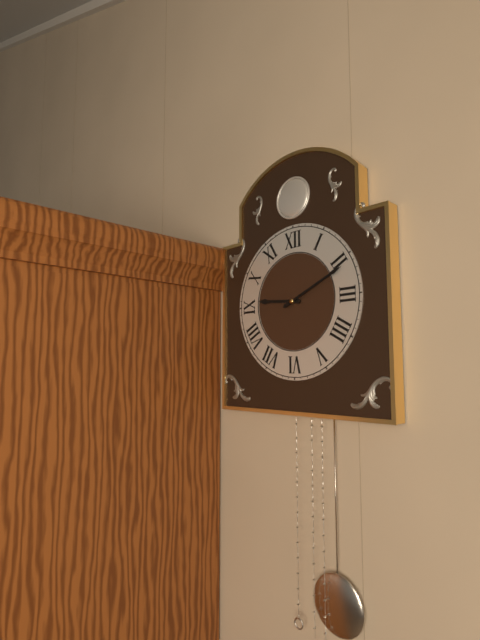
9h11
